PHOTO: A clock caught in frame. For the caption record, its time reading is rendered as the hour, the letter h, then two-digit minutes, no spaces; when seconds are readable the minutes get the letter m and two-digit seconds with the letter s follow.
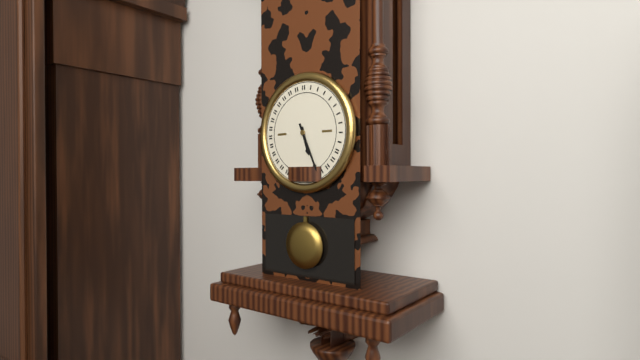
5h26
